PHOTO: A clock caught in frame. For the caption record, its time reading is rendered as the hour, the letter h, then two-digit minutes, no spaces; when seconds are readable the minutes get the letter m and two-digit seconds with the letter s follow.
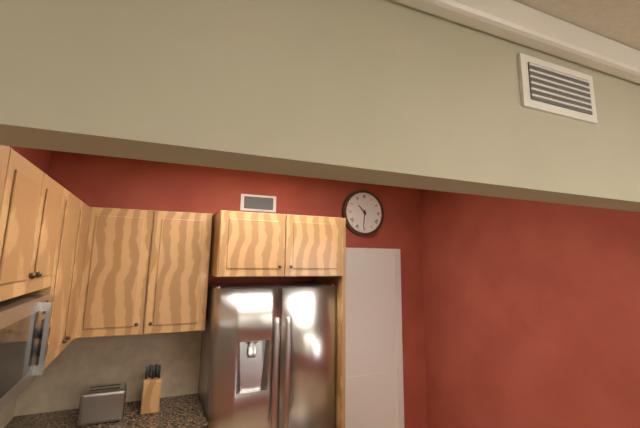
10h31
